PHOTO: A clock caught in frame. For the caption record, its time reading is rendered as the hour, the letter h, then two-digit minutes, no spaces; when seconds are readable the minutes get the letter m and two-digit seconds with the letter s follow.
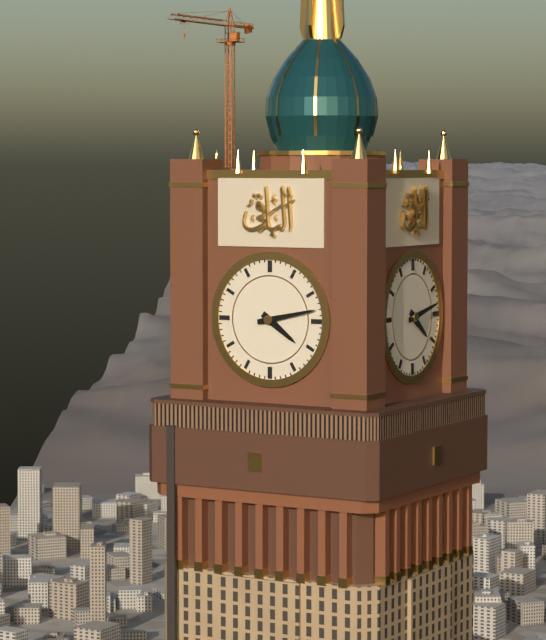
4h13
